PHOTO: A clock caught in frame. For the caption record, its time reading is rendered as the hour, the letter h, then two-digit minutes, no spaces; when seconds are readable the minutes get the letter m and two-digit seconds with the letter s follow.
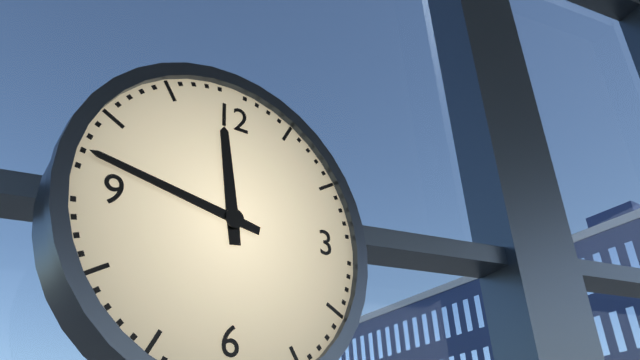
11h47
